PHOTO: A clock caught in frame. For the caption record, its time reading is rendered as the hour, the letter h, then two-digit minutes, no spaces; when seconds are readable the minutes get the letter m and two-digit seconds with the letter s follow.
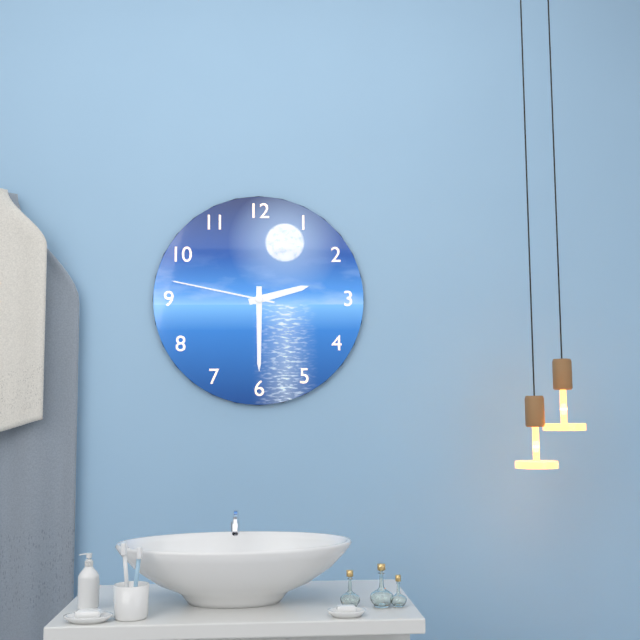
2h30m47s
